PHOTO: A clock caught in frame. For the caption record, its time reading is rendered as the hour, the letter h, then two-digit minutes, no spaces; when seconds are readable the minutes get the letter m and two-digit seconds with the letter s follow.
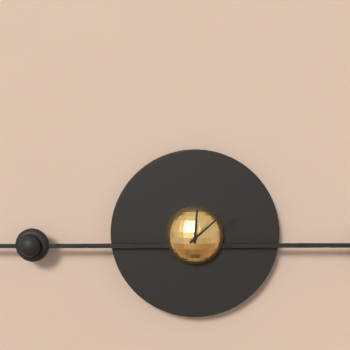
12h08
